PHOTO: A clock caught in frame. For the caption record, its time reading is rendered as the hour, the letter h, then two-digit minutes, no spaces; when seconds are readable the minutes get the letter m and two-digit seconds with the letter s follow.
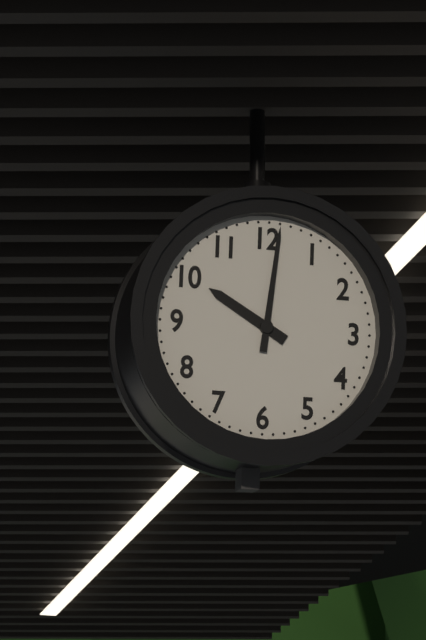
10h01
